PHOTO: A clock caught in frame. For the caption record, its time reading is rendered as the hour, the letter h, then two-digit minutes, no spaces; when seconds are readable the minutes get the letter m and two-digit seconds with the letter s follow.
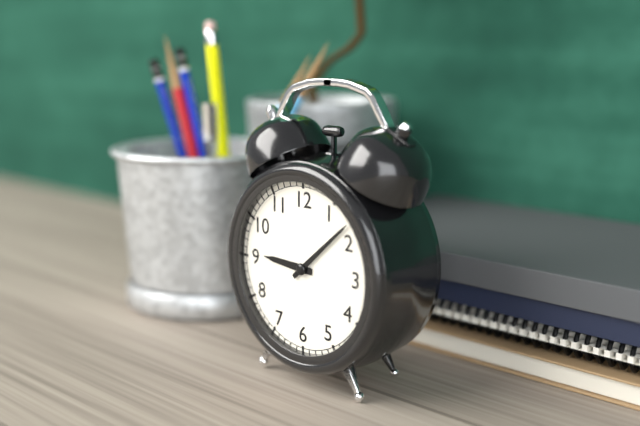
9h08
